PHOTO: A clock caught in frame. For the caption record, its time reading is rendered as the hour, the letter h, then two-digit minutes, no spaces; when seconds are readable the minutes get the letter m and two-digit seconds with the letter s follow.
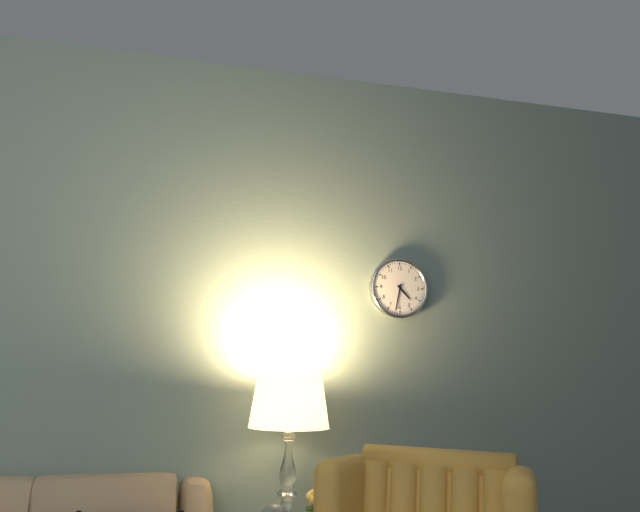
4h32
